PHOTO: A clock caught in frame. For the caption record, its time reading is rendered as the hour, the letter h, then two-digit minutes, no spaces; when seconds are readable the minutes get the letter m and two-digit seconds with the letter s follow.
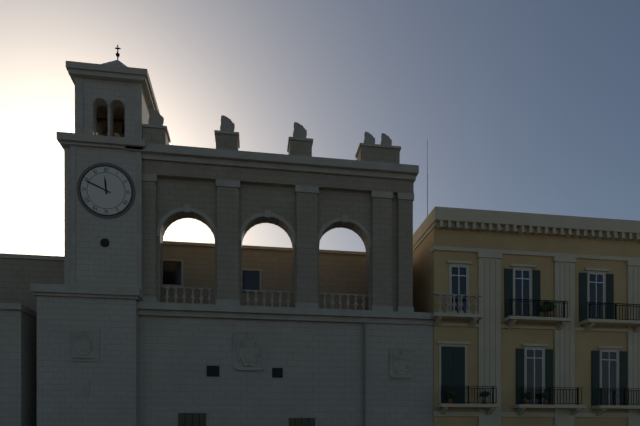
11h49
